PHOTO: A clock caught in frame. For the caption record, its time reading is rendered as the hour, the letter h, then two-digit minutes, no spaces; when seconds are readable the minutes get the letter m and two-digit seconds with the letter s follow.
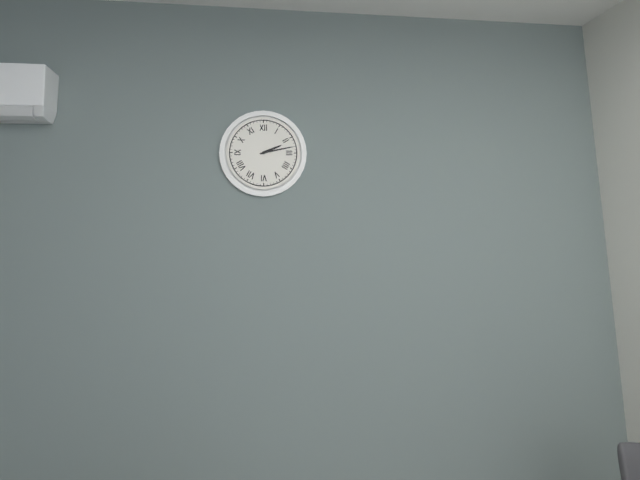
2h13
